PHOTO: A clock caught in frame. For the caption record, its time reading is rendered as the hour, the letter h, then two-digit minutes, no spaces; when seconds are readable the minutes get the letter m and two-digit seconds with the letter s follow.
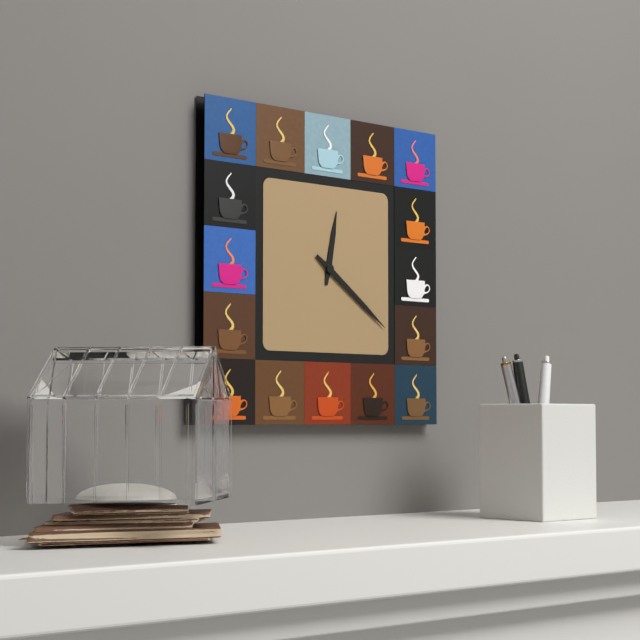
12h21
